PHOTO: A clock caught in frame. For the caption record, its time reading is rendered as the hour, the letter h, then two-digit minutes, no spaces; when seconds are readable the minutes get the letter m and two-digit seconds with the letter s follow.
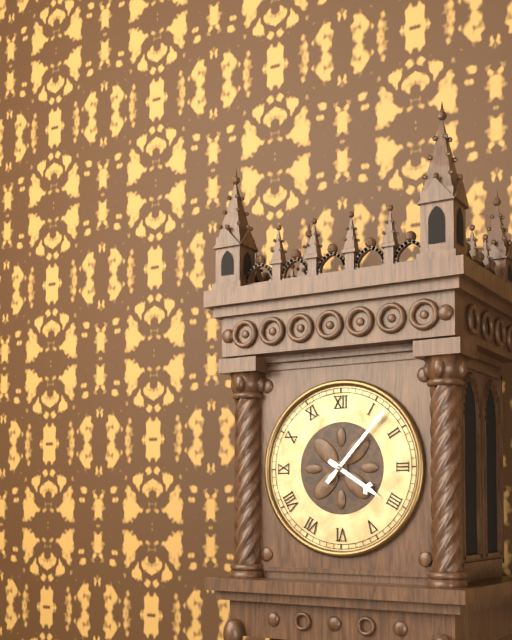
4h07
